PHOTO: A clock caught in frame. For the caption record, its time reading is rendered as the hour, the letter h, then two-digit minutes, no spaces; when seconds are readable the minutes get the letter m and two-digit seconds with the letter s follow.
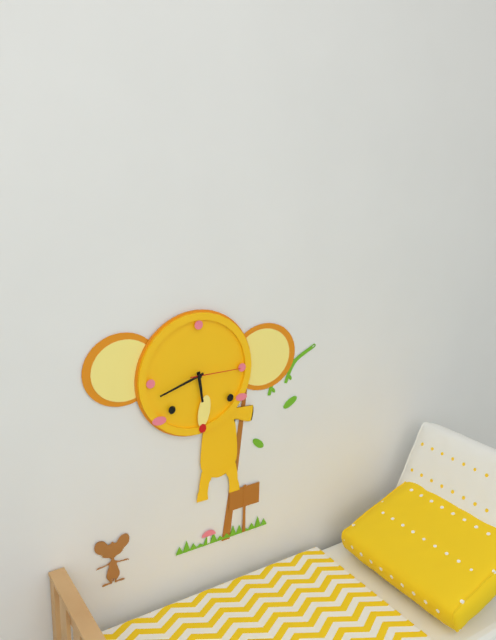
5h42m15s
